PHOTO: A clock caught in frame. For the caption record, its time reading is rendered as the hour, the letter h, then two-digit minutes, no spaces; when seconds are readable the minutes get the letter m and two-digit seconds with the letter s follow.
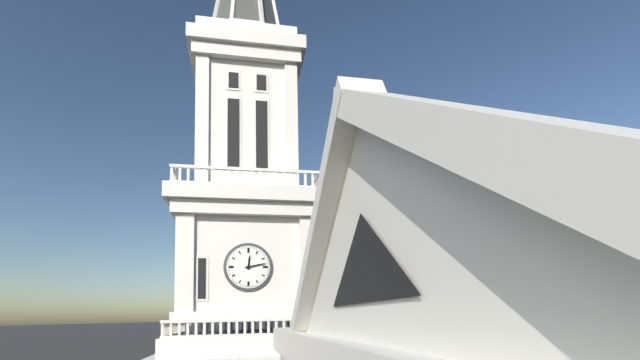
12h13
